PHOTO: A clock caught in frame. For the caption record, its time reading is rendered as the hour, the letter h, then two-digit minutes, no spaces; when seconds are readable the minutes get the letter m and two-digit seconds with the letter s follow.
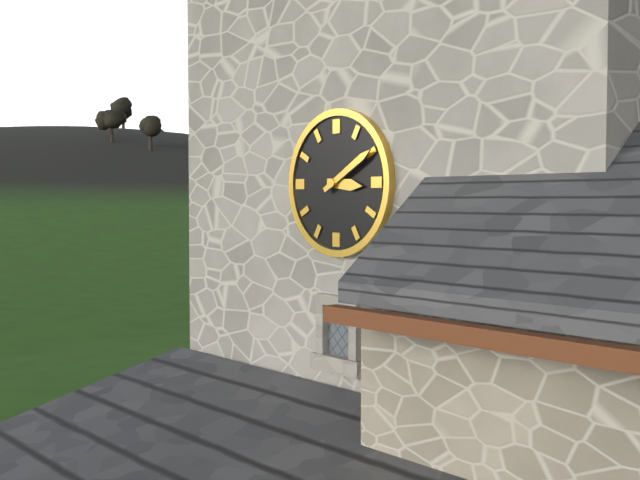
3h10
